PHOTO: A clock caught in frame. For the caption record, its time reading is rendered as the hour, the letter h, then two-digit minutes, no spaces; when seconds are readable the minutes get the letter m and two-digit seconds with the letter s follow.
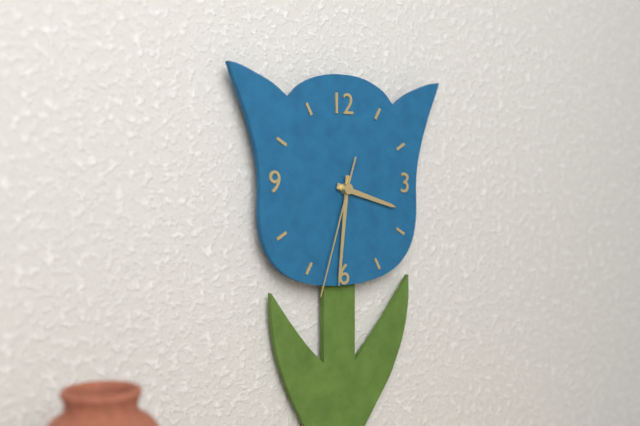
3h31m33s
